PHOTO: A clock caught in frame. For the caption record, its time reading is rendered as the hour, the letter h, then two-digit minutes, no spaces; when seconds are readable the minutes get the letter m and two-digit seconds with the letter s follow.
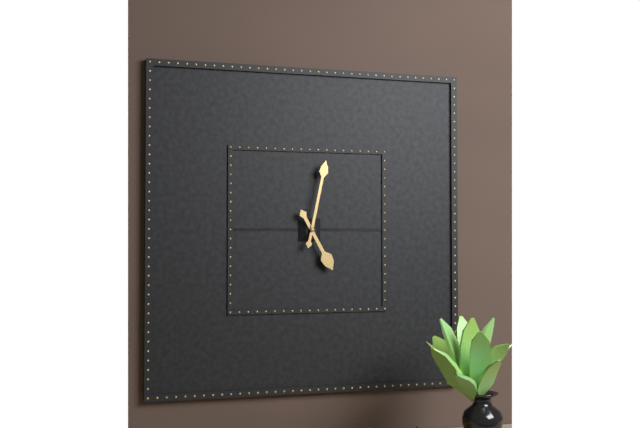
5h02
